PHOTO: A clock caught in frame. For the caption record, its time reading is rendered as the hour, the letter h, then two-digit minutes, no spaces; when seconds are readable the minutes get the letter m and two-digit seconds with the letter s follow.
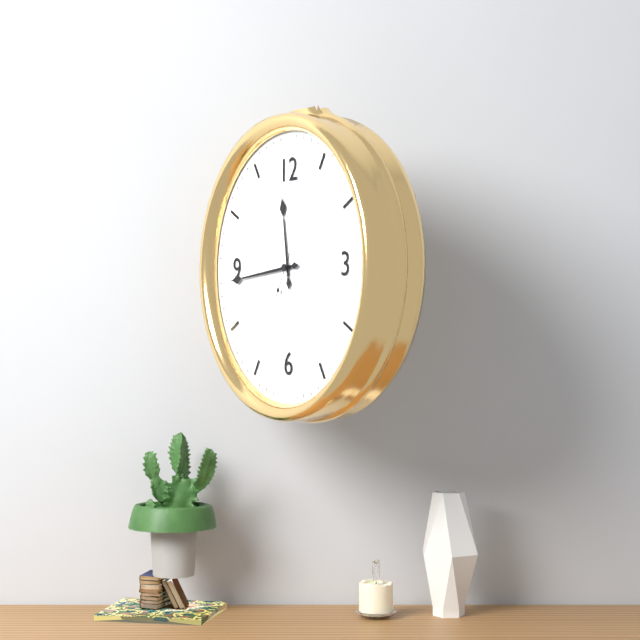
11h44m05s
